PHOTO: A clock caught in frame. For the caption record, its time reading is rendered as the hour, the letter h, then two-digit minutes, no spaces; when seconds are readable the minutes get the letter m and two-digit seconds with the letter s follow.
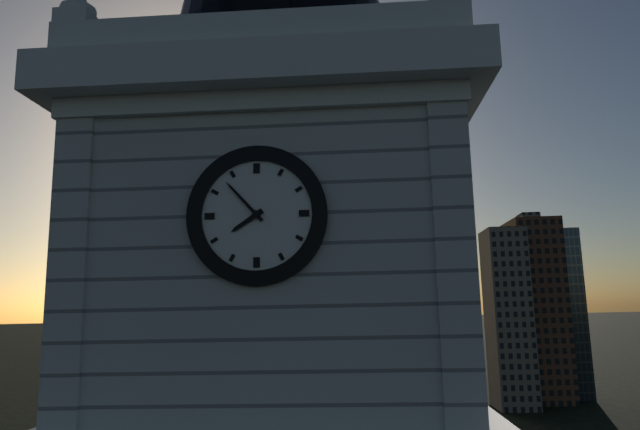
7h53
